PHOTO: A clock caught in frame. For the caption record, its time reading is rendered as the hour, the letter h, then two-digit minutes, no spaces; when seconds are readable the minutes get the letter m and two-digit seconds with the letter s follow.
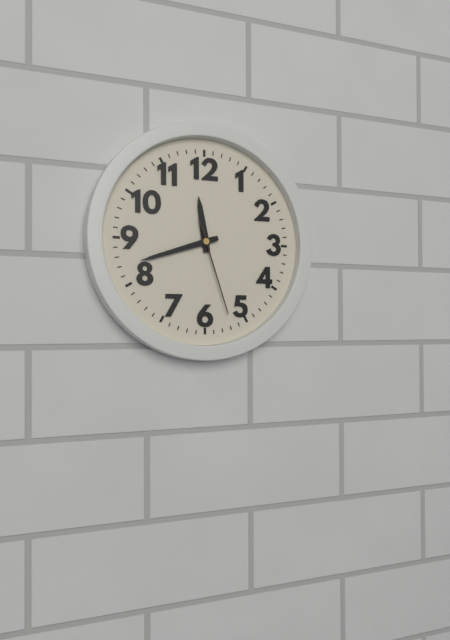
11h42m27s
